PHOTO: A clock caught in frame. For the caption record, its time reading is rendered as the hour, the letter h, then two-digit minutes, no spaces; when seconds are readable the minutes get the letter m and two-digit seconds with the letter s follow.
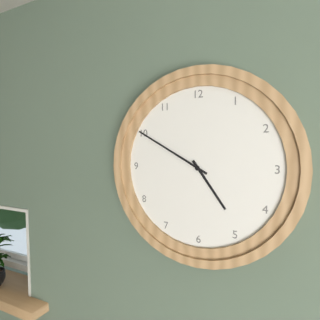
4h50
